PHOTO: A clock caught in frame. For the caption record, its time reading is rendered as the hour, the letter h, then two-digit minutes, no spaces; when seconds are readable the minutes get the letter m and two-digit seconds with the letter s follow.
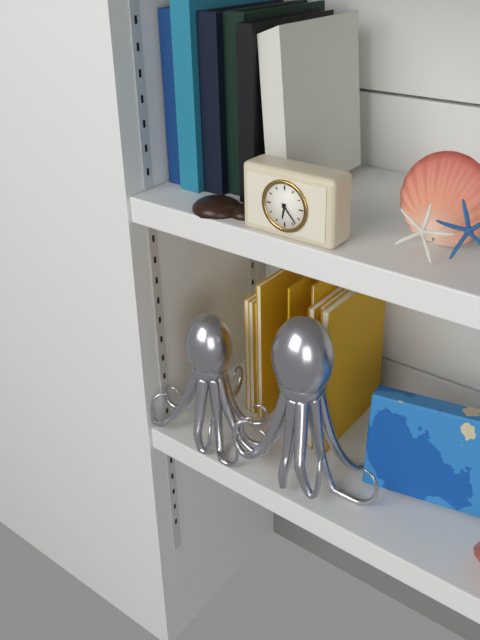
6h23
